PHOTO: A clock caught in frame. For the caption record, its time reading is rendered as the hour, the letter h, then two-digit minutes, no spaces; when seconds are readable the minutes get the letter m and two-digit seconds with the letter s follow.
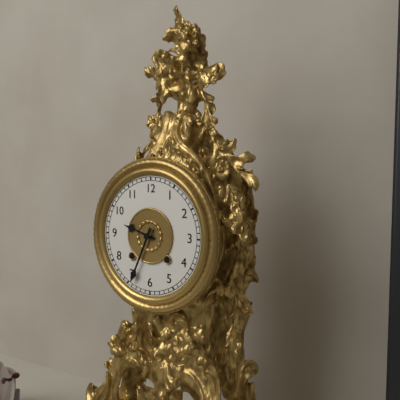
9h34
